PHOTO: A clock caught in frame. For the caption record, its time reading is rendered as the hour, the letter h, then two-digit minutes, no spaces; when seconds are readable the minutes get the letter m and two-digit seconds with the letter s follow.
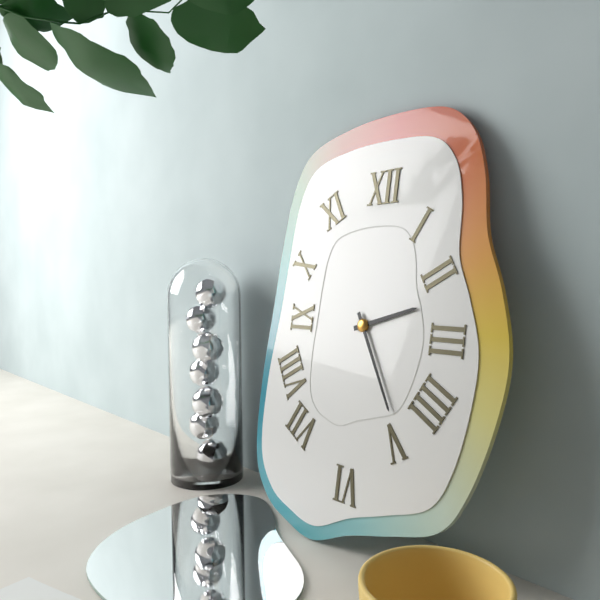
2h25
